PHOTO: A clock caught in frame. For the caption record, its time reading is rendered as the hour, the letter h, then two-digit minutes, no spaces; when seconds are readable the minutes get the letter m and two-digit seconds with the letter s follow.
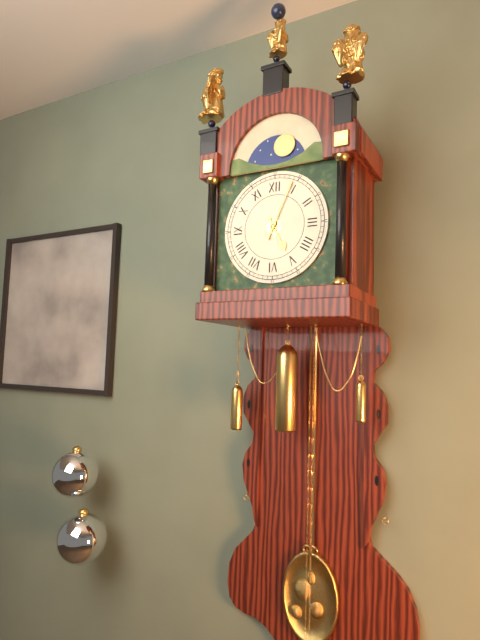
5h04
